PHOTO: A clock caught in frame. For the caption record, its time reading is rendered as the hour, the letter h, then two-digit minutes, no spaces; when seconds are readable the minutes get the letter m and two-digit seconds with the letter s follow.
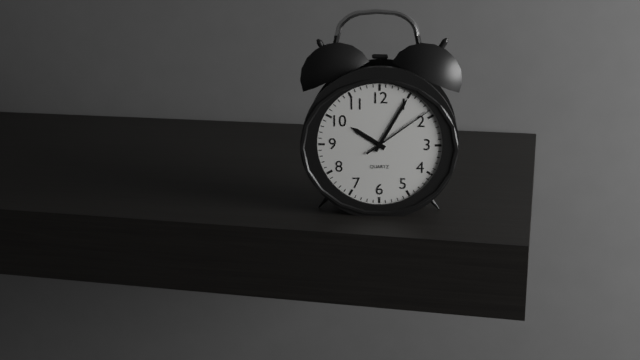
10h05m09s
